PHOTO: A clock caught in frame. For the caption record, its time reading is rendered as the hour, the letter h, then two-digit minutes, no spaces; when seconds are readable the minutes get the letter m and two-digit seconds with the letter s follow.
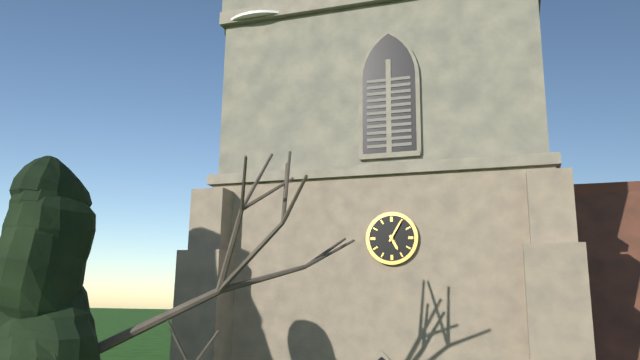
5h05
